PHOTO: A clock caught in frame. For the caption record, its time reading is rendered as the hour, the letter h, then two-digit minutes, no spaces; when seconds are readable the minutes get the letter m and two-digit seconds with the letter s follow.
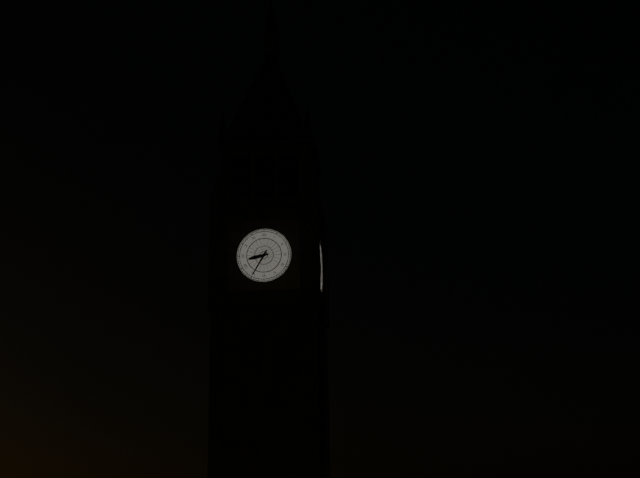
8h35
